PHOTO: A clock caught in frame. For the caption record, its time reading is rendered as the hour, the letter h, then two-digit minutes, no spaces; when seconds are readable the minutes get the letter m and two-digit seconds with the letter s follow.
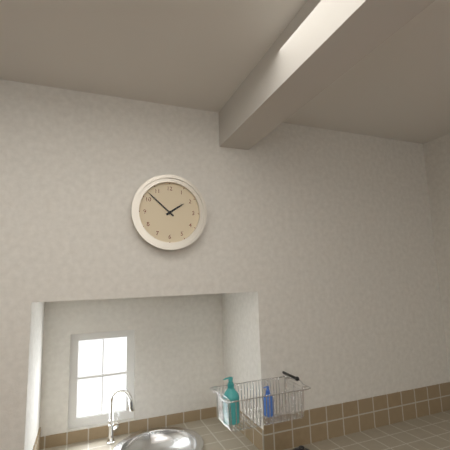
1h52
